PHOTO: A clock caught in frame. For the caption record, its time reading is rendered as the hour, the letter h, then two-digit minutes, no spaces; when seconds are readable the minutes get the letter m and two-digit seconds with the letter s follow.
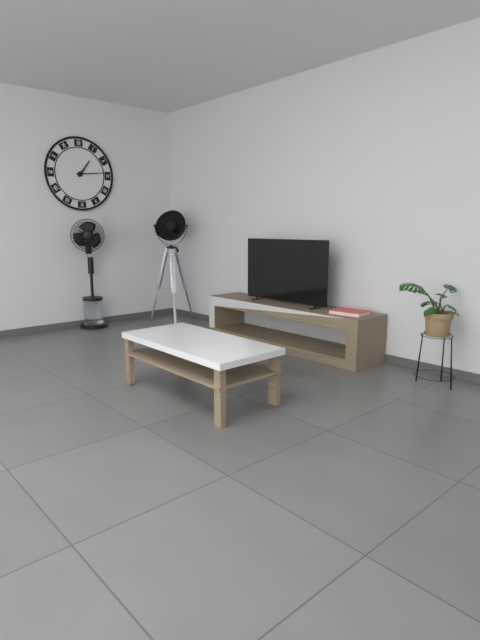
1h14
